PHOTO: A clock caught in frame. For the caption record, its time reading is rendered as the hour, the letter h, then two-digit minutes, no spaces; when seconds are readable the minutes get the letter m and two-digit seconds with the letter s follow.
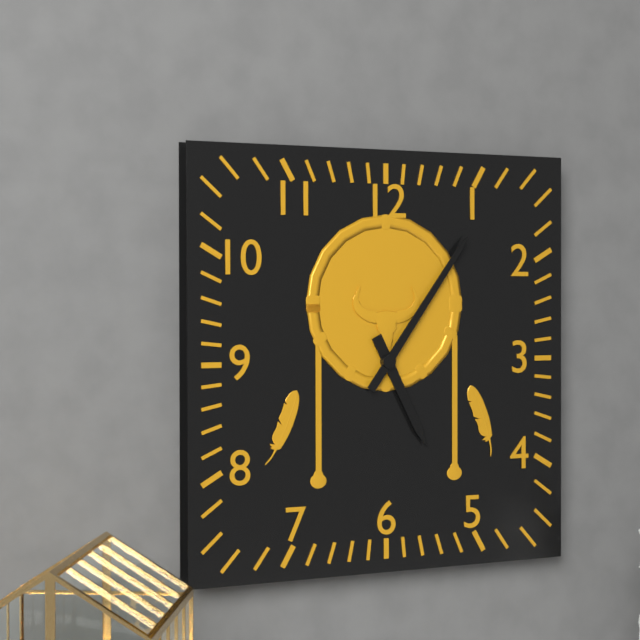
5h06
